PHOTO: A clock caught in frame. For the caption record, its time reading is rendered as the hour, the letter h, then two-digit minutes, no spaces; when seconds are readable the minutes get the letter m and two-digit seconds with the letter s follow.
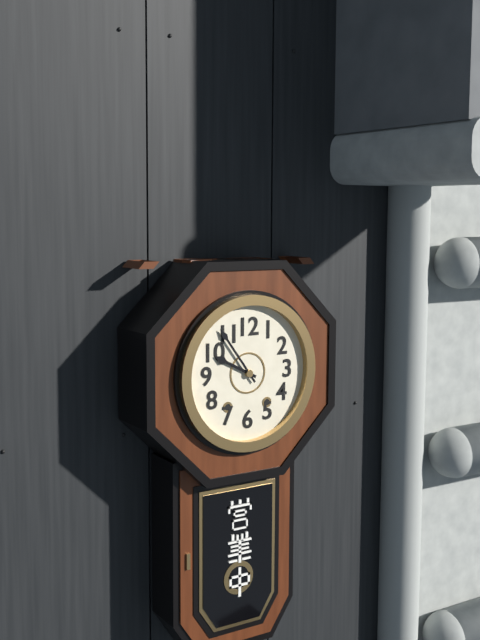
9h54
